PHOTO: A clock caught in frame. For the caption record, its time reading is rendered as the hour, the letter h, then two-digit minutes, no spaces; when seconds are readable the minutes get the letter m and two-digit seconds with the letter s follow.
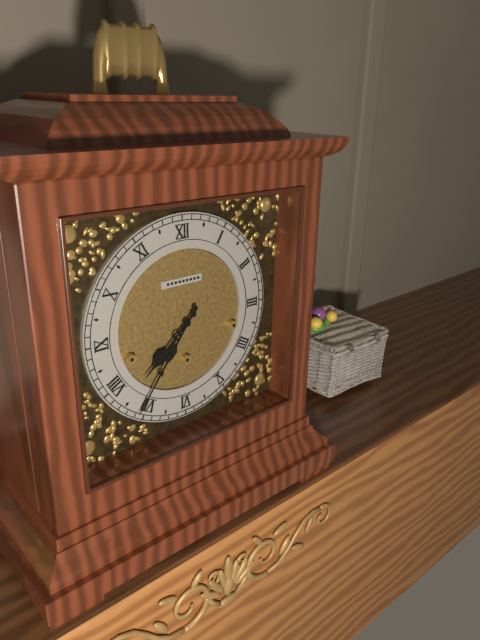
7h36
